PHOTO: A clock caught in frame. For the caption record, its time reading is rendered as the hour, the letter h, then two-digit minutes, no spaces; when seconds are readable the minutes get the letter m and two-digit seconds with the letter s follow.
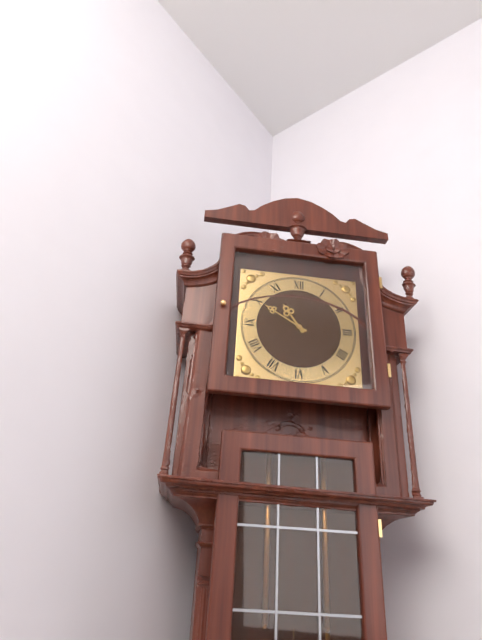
10h50
